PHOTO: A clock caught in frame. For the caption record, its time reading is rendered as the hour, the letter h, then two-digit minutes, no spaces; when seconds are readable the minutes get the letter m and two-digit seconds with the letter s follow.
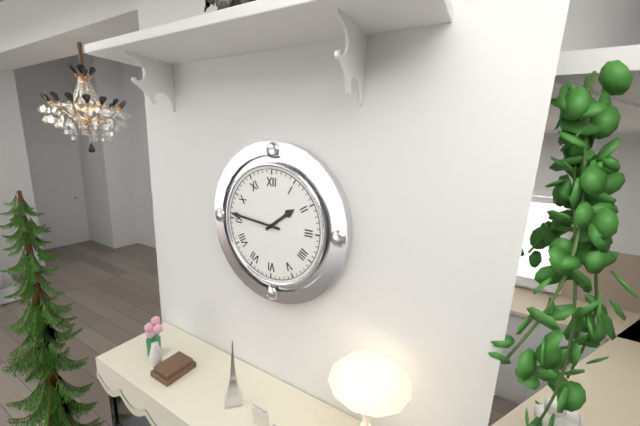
1h46
